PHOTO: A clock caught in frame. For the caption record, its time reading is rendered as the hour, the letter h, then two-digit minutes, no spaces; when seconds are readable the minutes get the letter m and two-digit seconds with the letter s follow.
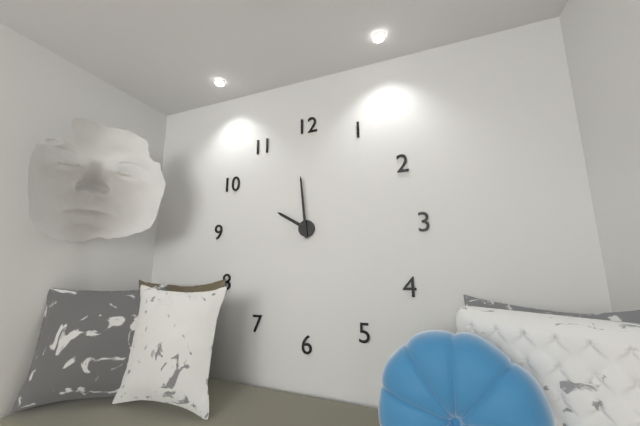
9h59
